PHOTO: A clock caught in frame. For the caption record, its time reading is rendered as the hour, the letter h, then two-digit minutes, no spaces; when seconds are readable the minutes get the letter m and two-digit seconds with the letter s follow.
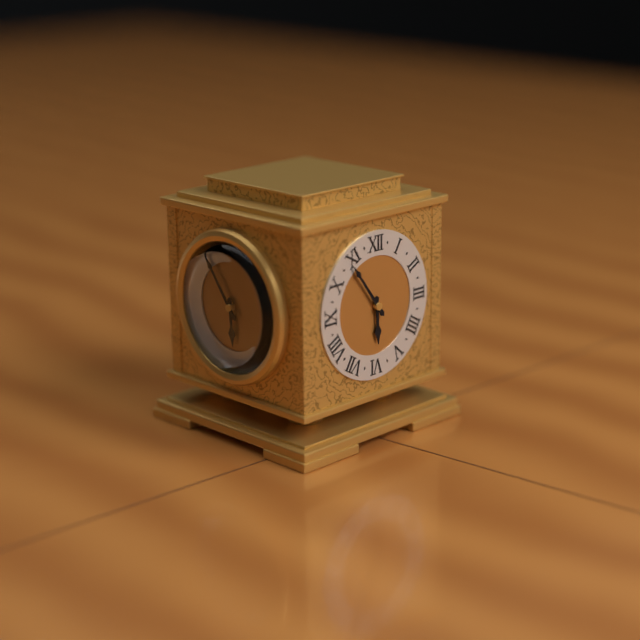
5h54
